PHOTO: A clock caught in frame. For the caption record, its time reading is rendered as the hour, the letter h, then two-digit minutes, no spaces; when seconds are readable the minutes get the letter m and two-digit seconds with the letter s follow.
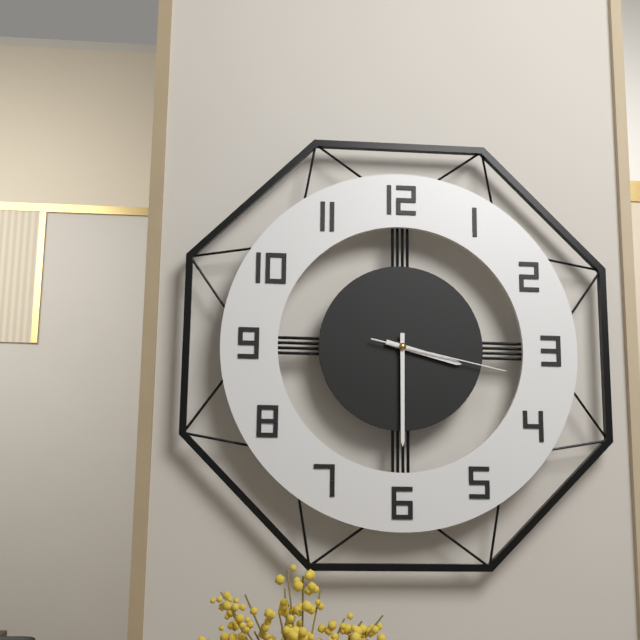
3h30m17s
